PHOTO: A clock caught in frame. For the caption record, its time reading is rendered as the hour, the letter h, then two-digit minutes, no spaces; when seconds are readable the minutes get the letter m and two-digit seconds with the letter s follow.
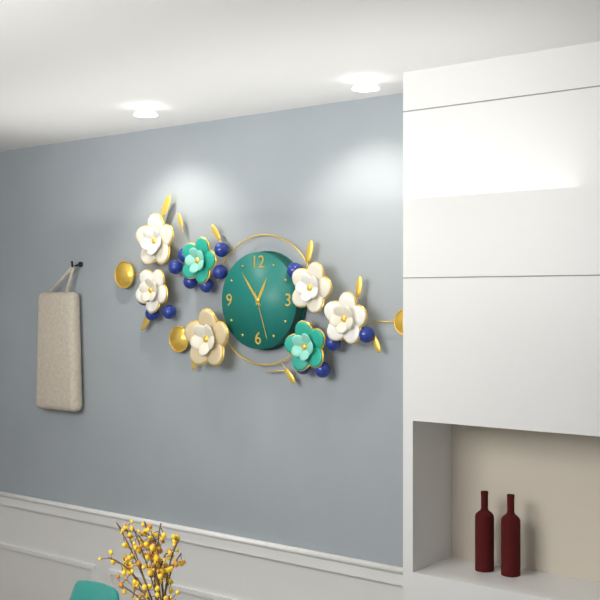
12h54
